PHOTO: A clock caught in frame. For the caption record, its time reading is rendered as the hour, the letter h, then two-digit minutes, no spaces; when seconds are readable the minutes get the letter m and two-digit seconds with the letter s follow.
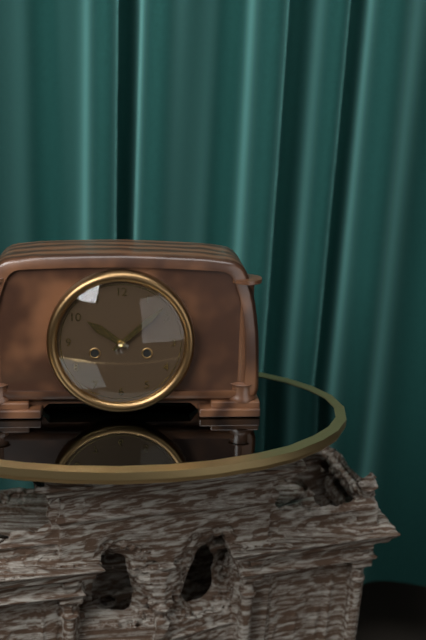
10h08
